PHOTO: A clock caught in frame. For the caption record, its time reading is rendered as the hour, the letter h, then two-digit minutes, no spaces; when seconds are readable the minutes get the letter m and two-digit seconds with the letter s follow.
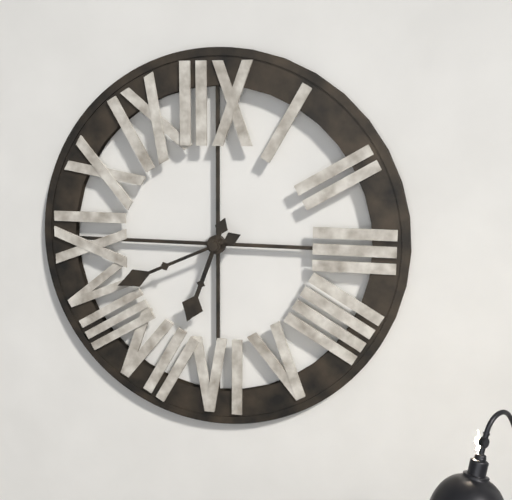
6h41
